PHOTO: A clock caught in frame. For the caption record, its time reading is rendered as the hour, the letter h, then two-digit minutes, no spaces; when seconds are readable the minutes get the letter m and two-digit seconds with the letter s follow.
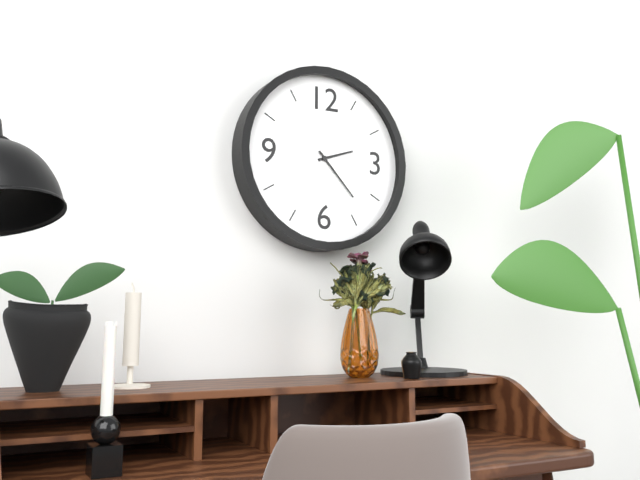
2h23
